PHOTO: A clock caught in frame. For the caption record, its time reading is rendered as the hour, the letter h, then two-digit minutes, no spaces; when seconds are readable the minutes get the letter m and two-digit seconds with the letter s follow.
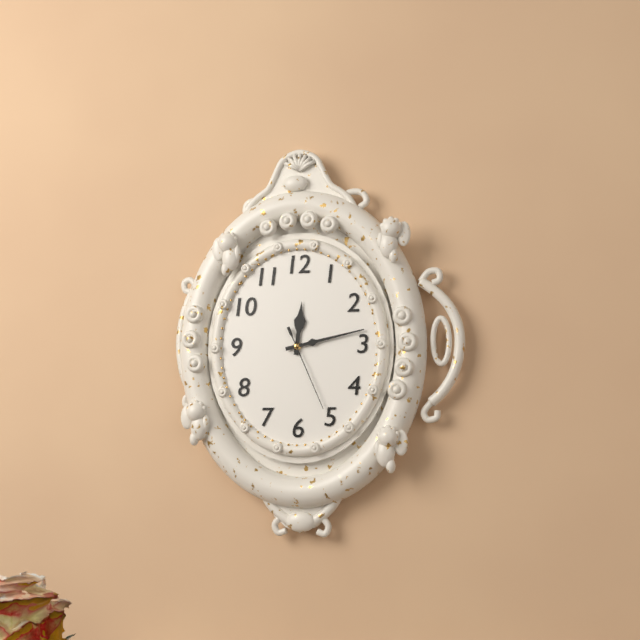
12h13m26s
